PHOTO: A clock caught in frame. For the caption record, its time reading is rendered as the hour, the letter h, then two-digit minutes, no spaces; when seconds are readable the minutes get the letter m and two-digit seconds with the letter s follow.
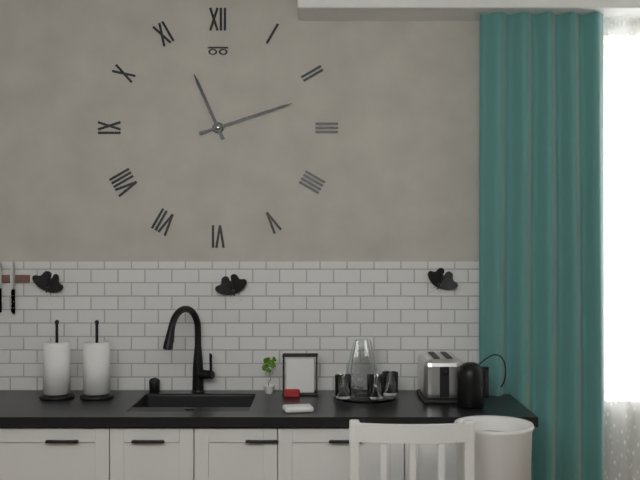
11h12
